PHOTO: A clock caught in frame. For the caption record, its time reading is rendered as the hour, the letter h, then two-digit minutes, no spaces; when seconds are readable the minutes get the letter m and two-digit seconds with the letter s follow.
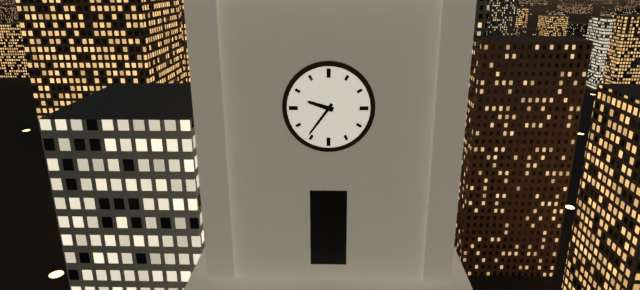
9h36
